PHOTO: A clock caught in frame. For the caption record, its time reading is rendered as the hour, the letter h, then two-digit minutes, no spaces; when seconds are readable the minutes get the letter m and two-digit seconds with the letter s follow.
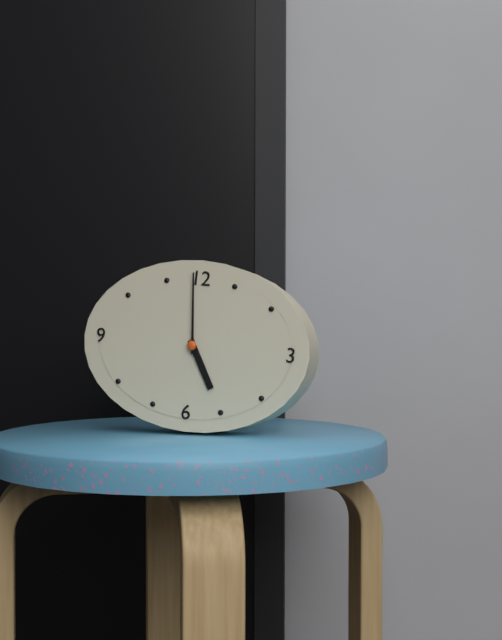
4h59
